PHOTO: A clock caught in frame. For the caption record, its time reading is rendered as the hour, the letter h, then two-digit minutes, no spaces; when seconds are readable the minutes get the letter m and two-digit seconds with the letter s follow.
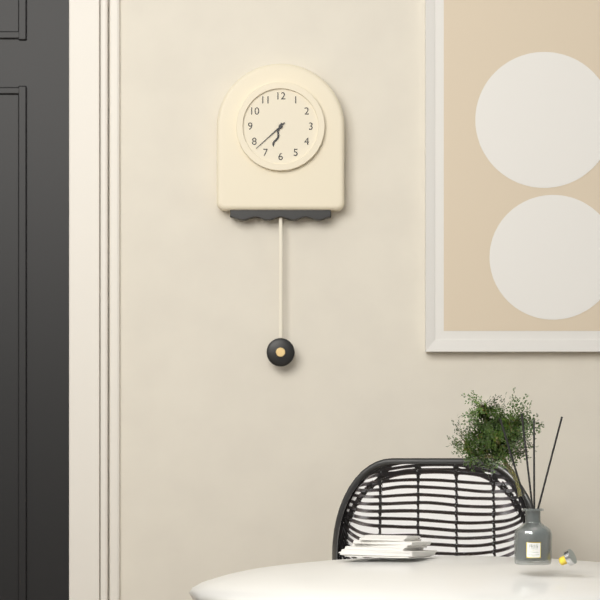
6h38
